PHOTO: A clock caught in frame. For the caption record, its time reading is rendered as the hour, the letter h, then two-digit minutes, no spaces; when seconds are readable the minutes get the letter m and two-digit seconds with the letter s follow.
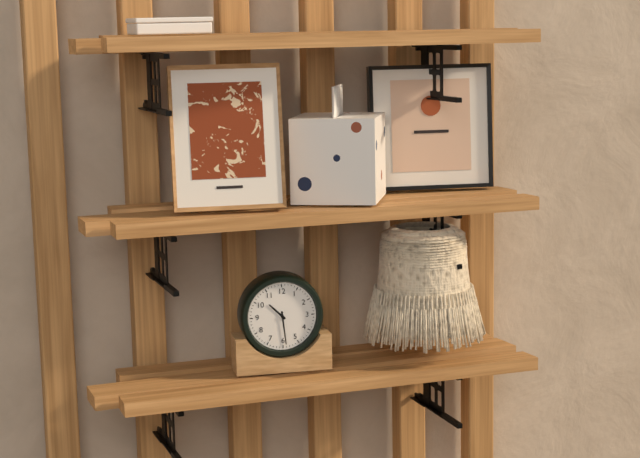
10h29
